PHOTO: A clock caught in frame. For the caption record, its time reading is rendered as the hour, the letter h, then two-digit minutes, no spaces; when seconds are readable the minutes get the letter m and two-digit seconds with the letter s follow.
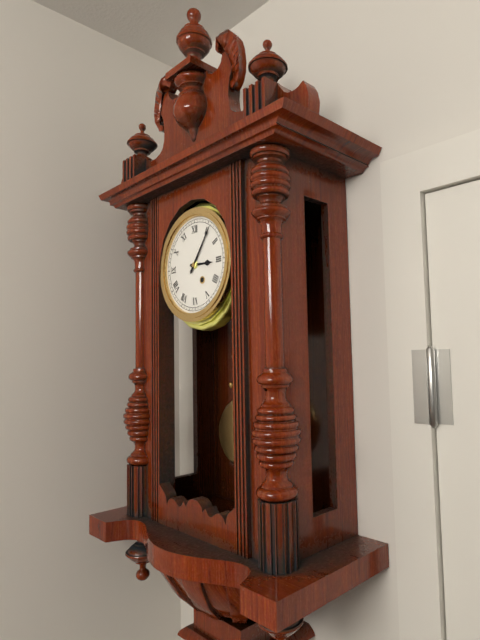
3h06
